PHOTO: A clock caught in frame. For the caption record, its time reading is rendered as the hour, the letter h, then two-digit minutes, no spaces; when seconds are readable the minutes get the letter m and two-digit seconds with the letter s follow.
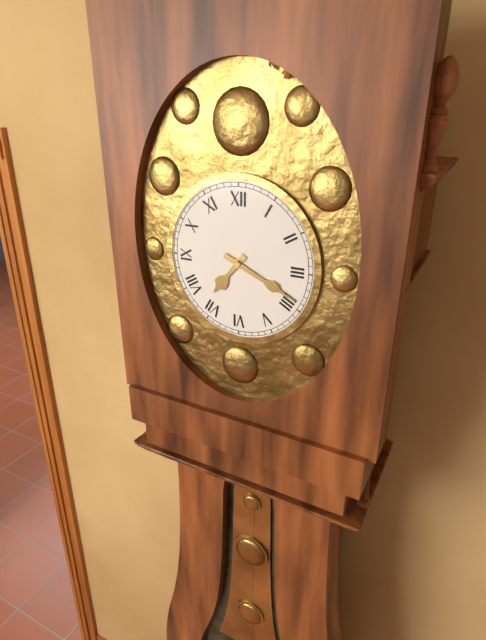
7h19
